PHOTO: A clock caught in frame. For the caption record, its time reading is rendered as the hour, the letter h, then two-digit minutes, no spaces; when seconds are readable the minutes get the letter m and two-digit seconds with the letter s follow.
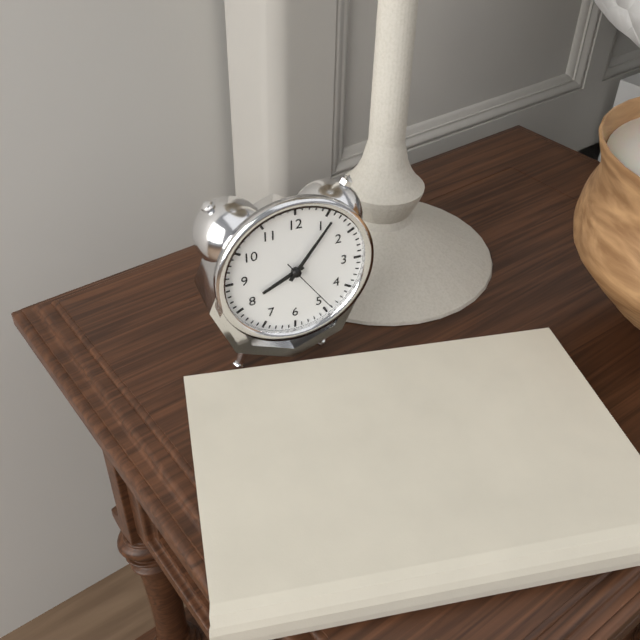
8h06m24s
